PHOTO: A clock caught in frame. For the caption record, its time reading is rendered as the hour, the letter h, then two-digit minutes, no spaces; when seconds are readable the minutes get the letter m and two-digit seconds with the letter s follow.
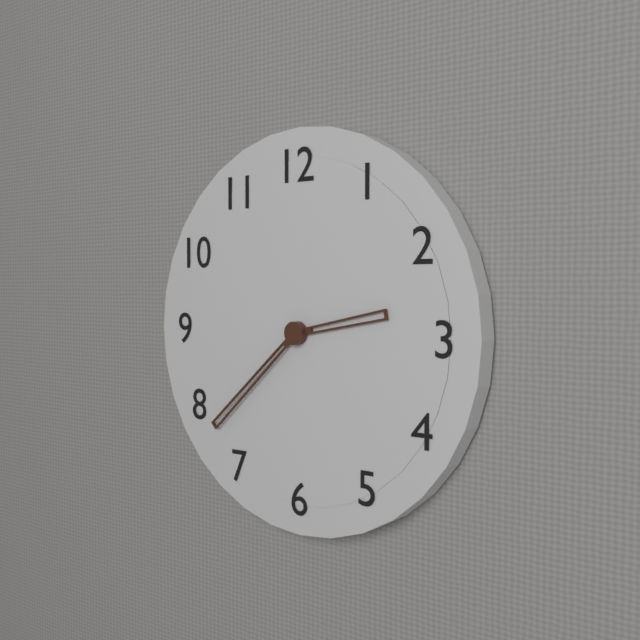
2h38
